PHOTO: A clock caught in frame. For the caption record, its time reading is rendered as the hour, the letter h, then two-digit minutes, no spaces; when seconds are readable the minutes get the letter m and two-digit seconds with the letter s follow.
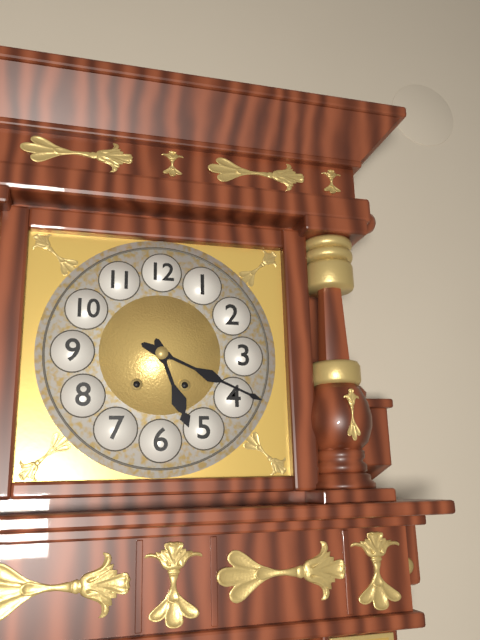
5h19
